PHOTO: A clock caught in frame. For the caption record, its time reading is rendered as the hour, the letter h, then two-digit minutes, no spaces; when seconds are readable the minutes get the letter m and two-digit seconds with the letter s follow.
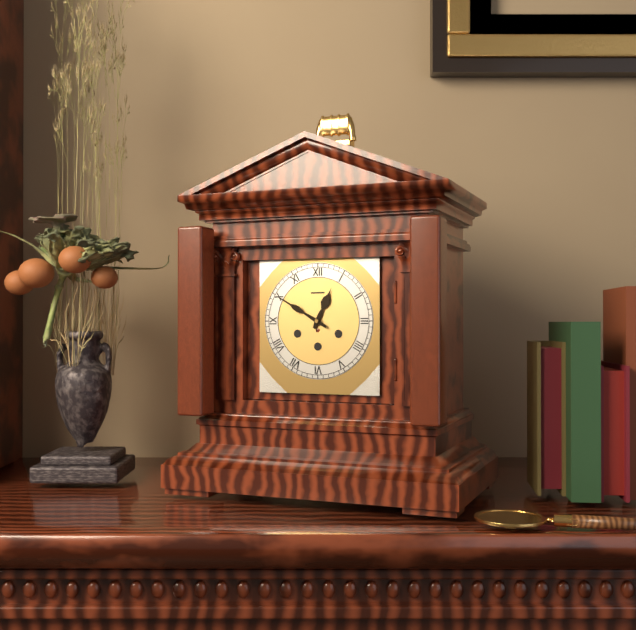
12h50
